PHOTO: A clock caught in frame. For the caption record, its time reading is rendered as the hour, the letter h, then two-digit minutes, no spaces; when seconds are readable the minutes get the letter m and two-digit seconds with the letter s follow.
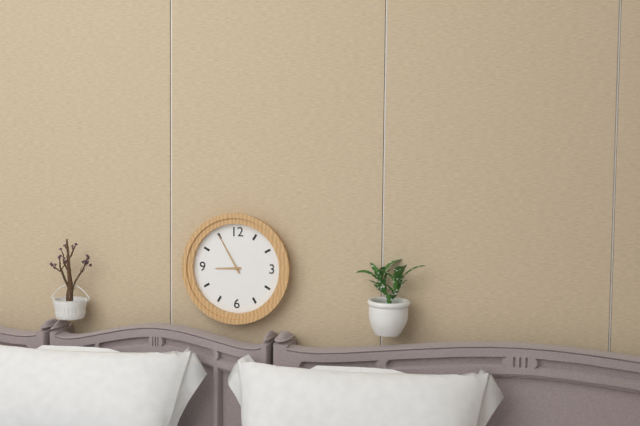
8h55
